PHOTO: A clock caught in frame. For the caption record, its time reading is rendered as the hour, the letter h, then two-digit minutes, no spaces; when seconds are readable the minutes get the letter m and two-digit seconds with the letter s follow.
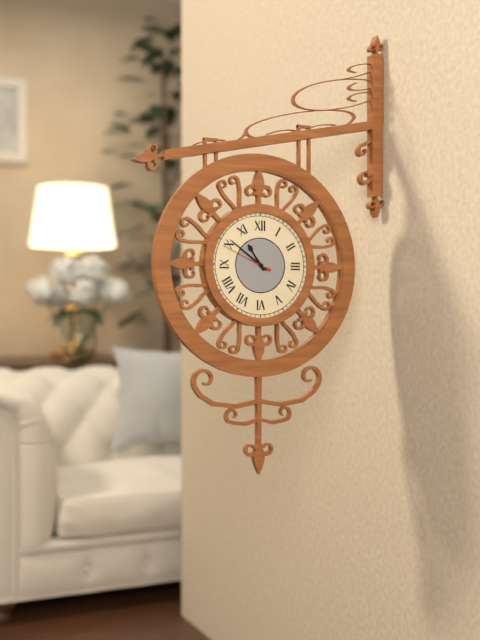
10h51m49s
